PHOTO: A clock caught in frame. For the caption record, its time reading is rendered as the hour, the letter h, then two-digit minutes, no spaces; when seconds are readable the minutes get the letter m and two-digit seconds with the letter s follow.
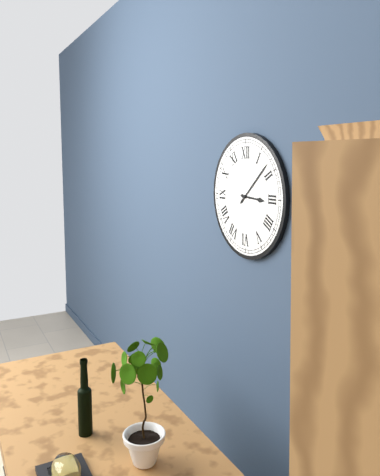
3h08
